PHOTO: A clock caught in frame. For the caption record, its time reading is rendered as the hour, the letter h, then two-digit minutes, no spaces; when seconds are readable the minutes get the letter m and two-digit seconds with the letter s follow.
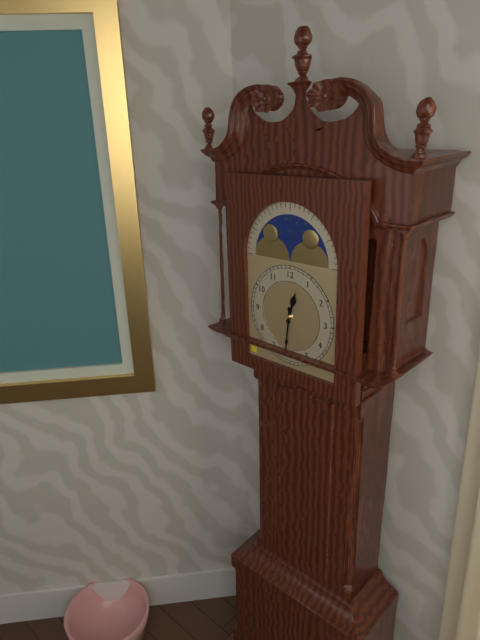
12h31
